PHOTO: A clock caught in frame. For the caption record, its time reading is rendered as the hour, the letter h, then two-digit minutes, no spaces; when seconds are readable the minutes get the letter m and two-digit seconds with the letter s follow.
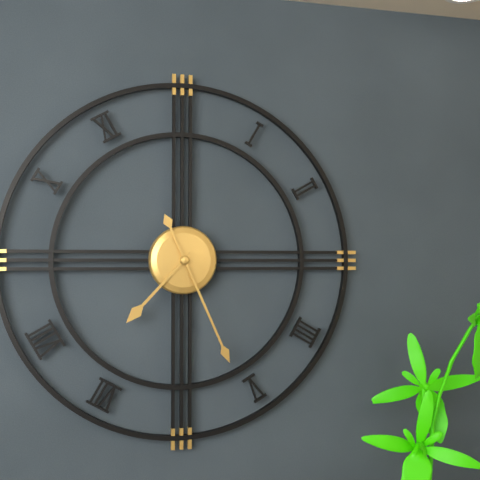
7h26
